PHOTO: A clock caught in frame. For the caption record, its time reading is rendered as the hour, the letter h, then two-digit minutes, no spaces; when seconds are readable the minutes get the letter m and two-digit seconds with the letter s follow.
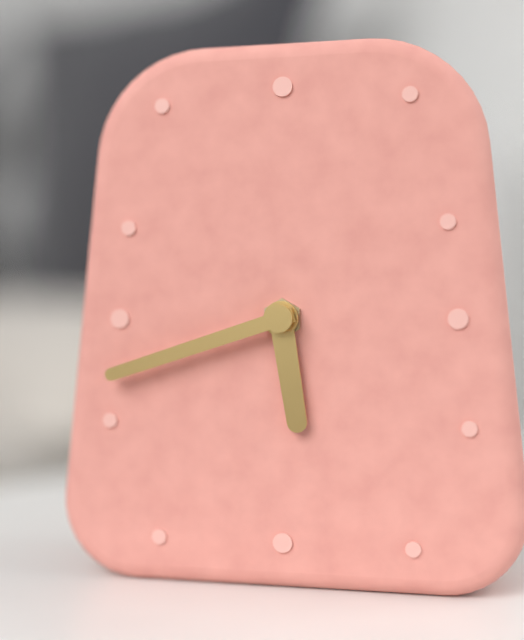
5h42
